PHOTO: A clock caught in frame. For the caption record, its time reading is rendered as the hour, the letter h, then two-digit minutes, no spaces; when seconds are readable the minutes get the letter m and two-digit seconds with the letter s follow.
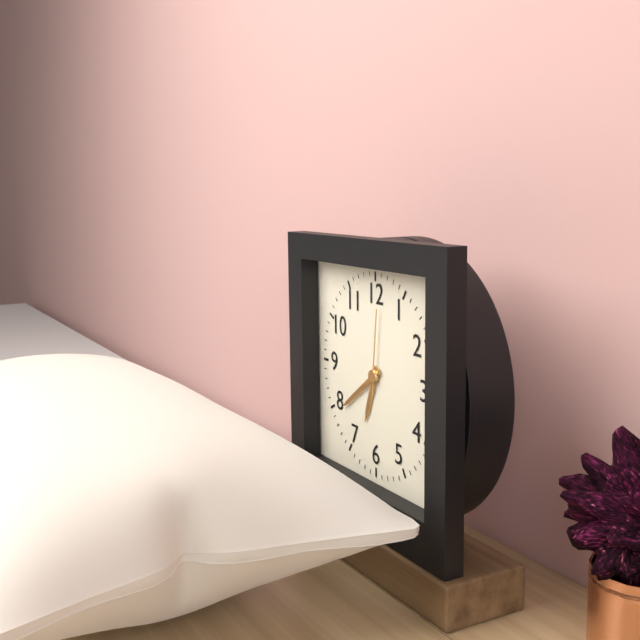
6h39m01s
